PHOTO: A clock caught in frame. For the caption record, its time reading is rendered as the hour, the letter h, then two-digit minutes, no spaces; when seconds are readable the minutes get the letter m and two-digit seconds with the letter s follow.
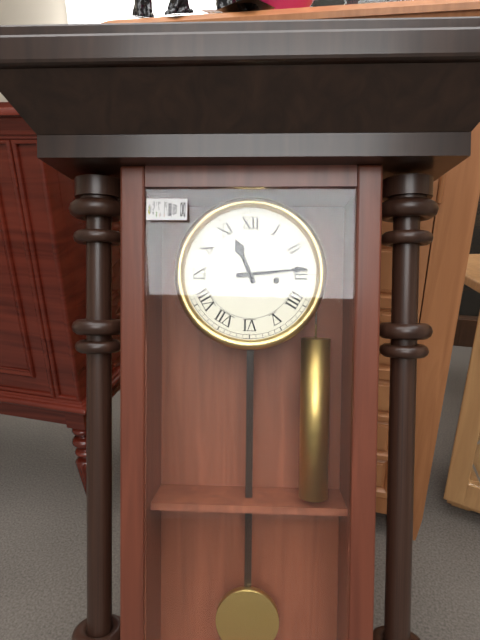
11h14
